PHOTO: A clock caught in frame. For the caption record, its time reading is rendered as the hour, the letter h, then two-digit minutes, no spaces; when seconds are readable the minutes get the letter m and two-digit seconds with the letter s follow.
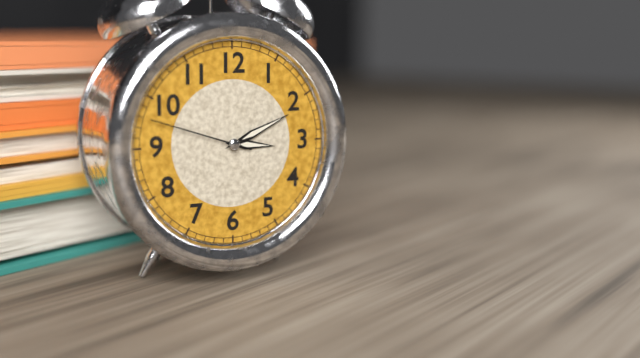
3h11m48s
